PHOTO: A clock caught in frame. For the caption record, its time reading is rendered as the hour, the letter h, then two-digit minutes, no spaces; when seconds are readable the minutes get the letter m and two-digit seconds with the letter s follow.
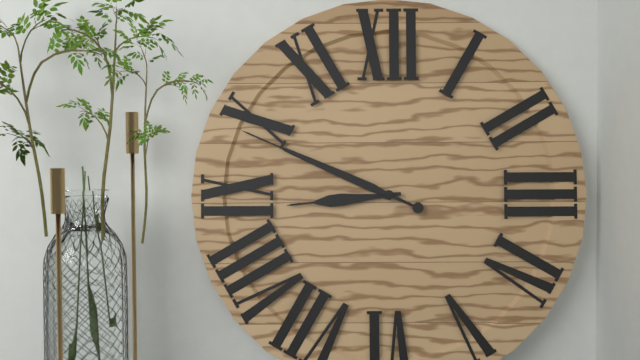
8h49
